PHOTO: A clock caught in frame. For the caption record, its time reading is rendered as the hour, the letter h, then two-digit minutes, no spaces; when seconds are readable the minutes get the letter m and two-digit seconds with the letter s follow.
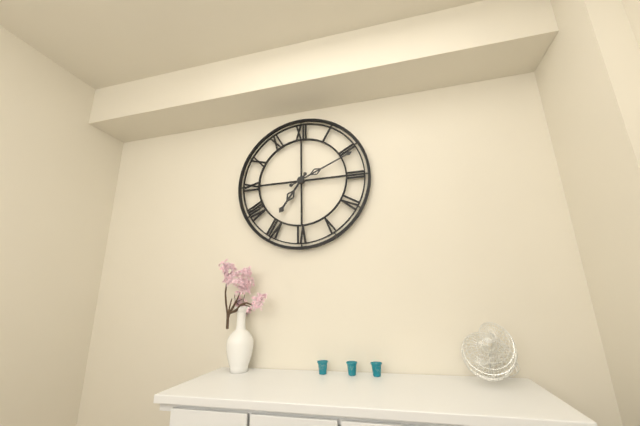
7h11
